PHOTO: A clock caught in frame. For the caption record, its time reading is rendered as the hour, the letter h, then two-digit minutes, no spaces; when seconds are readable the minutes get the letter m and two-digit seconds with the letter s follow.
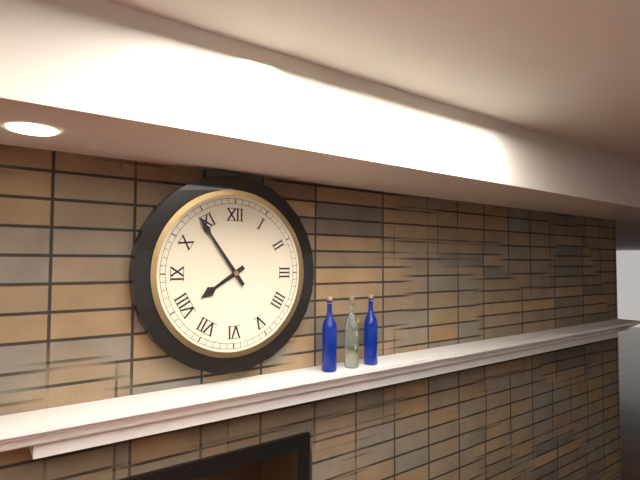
7h54
